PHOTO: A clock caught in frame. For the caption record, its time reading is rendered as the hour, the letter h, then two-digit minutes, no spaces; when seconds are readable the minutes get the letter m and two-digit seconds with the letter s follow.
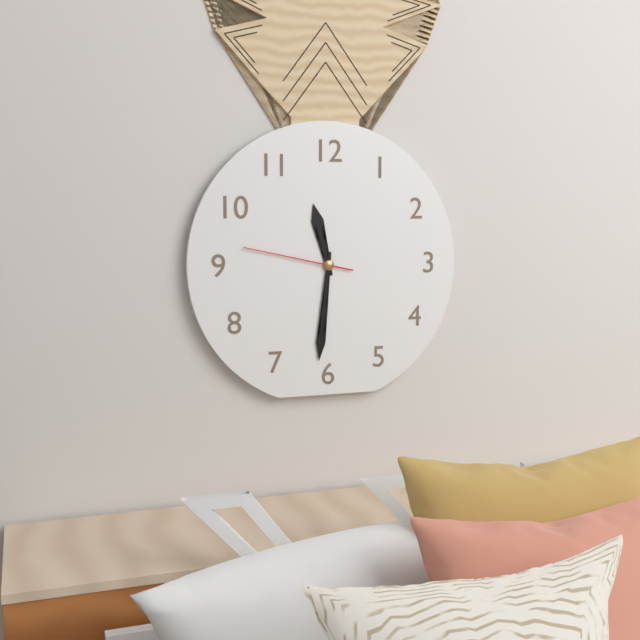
11h31m47s
